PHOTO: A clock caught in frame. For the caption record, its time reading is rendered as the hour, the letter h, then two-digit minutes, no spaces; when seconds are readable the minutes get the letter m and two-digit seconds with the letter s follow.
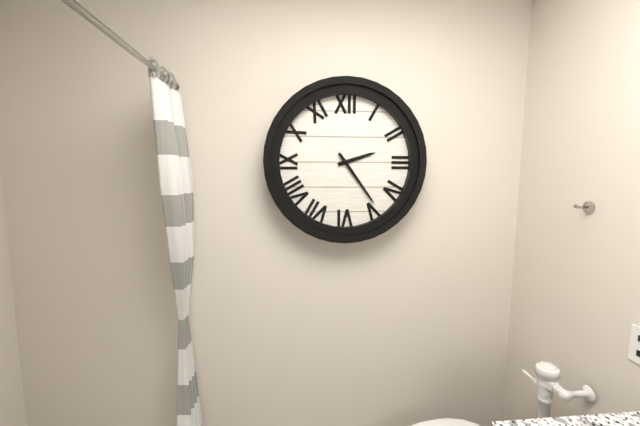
2h24
